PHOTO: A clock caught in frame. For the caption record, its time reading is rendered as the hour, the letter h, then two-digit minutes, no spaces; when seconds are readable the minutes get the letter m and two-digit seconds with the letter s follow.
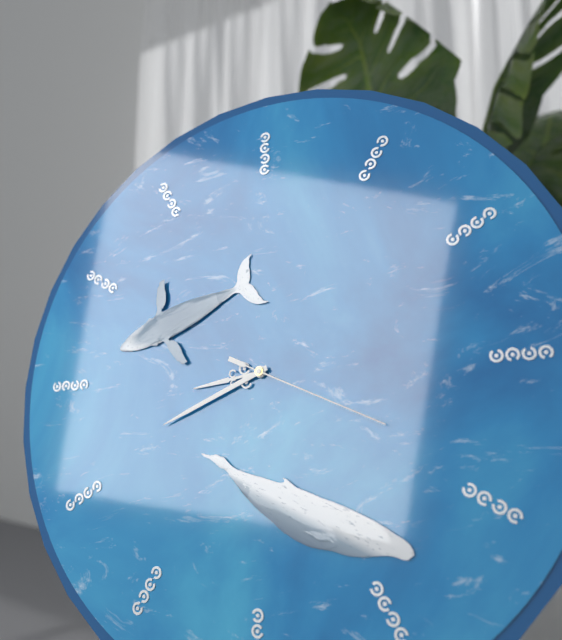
8h41m19s
